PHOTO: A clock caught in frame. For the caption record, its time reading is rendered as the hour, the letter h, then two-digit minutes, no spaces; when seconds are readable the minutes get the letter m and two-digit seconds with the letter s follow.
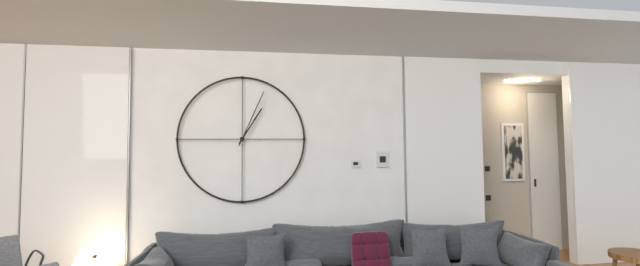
1h04
